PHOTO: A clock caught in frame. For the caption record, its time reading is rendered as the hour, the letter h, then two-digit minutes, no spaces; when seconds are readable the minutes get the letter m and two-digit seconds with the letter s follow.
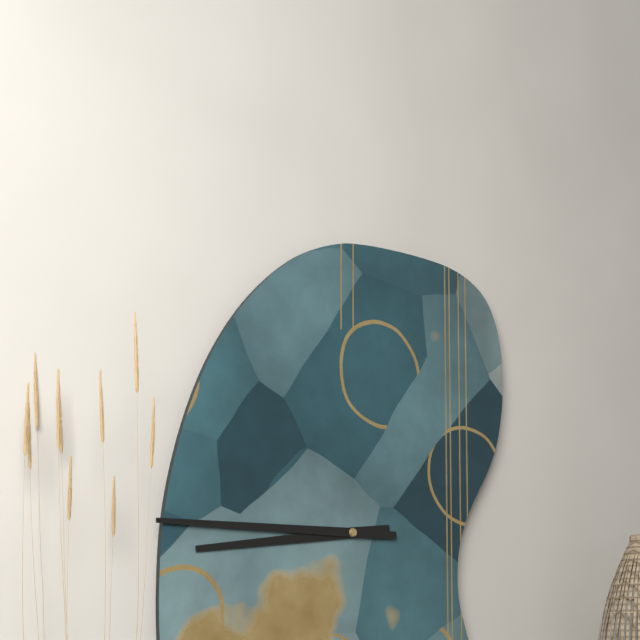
8h45
